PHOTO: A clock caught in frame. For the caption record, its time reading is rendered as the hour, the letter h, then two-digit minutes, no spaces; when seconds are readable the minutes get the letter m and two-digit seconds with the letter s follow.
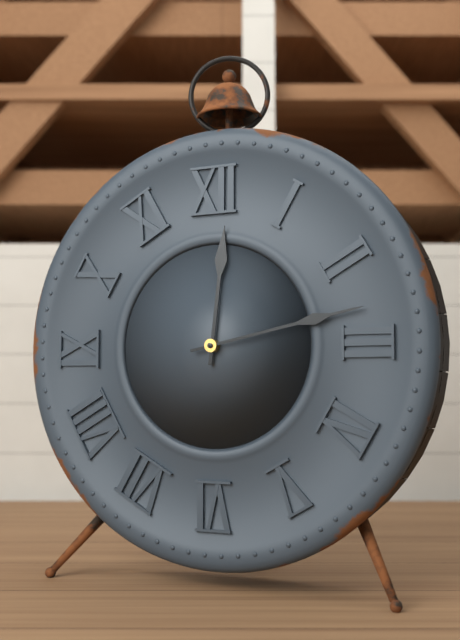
12h13
